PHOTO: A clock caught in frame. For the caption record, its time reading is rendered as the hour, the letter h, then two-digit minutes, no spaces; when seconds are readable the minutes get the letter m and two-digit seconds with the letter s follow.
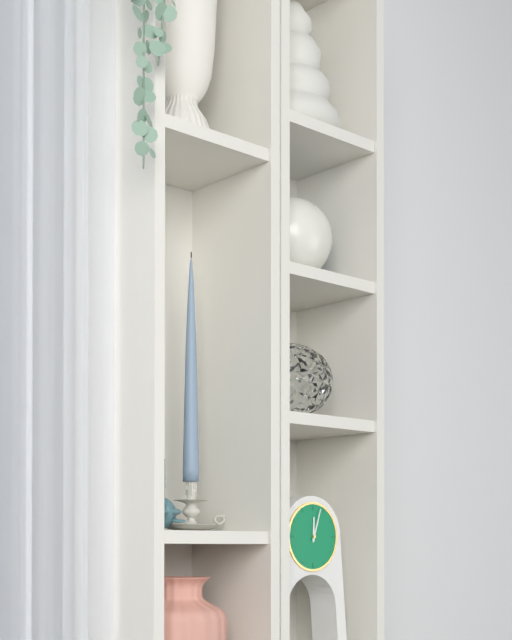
12h03
